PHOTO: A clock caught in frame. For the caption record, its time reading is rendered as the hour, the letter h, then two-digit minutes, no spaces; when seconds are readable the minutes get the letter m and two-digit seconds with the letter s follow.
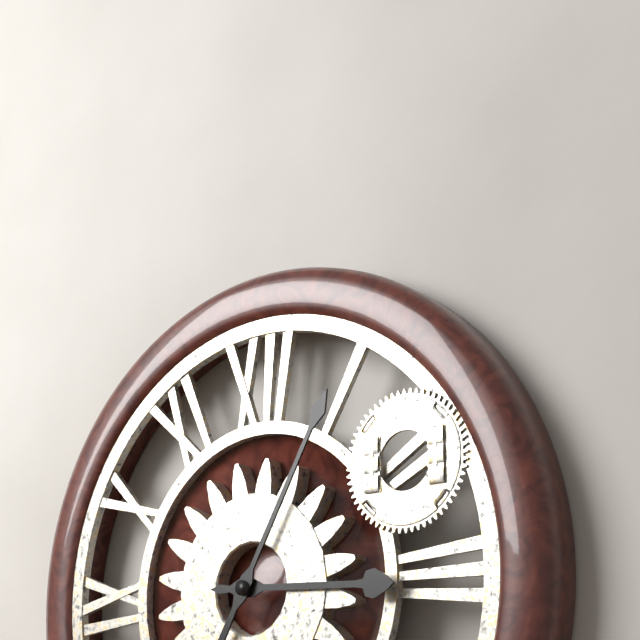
3h05
